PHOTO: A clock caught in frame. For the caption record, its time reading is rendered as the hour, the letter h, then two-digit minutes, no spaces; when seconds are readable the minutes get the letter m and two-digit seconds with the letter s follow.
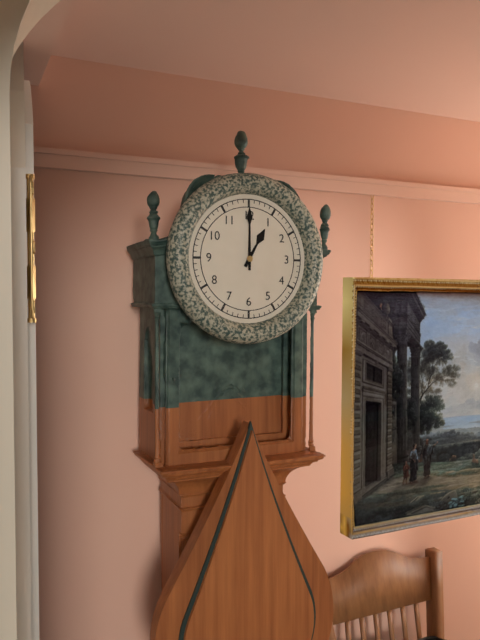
1h00
